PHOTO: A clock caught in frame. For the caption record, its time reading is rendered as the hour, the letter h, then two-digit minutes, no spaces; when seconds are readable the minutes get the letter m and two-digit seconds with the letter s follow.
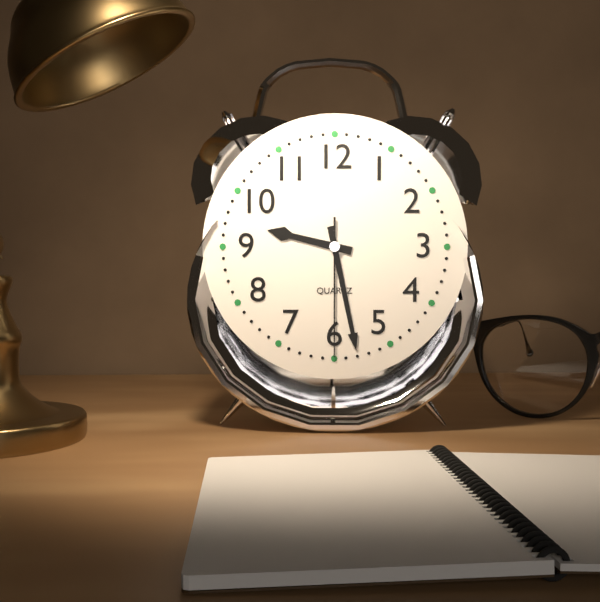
9h28m30s
